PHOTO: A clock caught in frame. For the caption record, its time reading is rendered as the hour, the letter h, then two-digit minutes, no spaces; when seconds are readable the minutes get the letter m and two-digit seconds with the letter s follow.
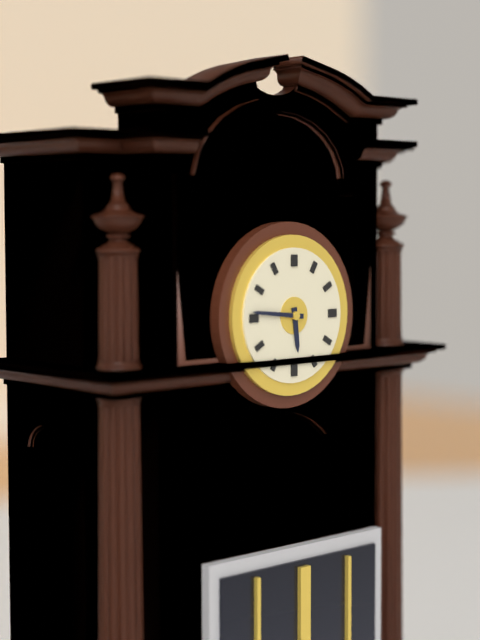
5h46
